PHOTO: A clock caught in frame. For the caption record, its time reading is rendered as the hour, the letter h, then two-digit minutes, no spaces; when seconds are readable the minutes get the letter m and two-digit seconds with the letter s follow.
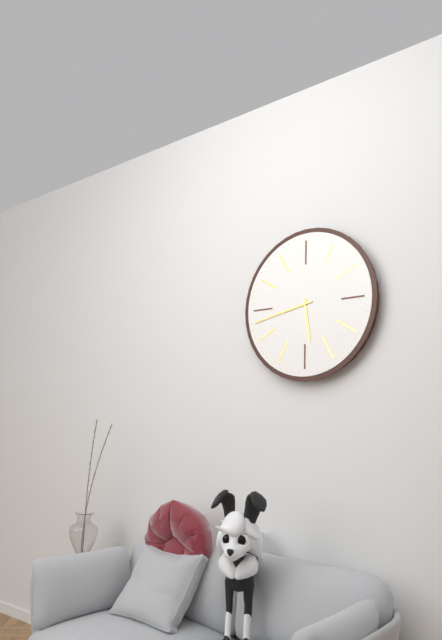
5h43
